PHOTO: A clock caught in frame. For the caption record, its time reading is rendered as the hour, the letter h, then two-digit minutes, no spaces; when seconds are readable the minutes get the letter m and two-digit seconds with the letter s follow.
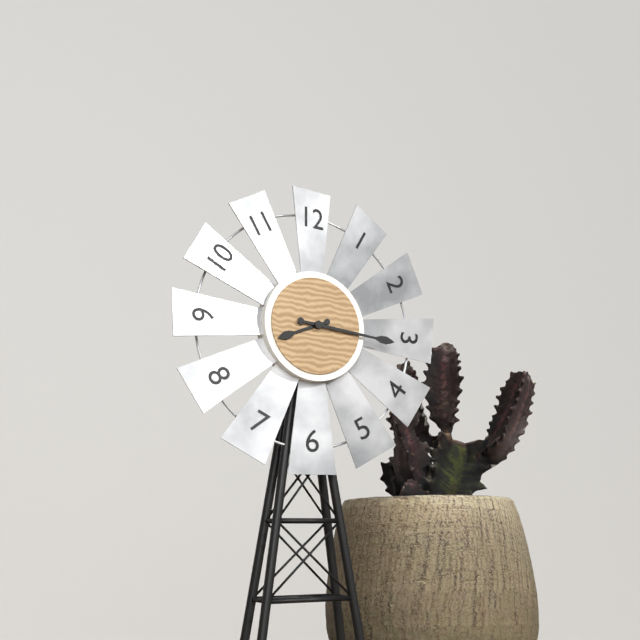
8h16
